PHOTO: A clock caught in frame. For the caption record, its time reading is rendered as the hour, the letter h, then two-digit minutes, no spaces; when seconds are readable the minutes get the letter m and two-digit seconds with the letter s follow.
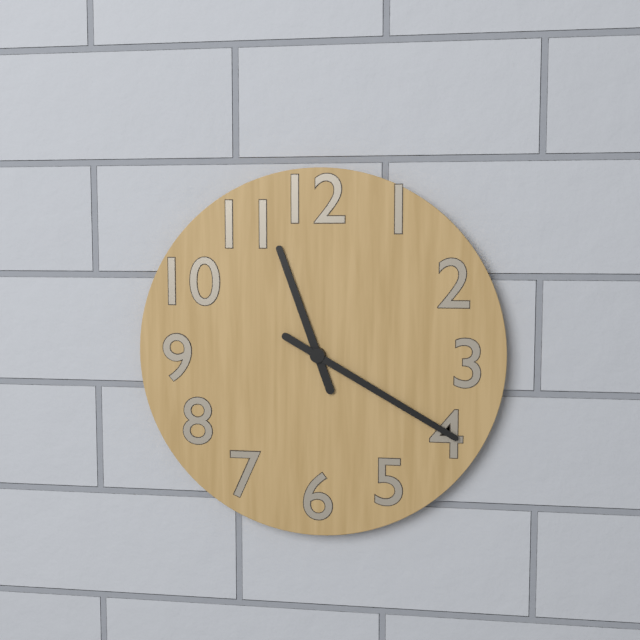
11h20
